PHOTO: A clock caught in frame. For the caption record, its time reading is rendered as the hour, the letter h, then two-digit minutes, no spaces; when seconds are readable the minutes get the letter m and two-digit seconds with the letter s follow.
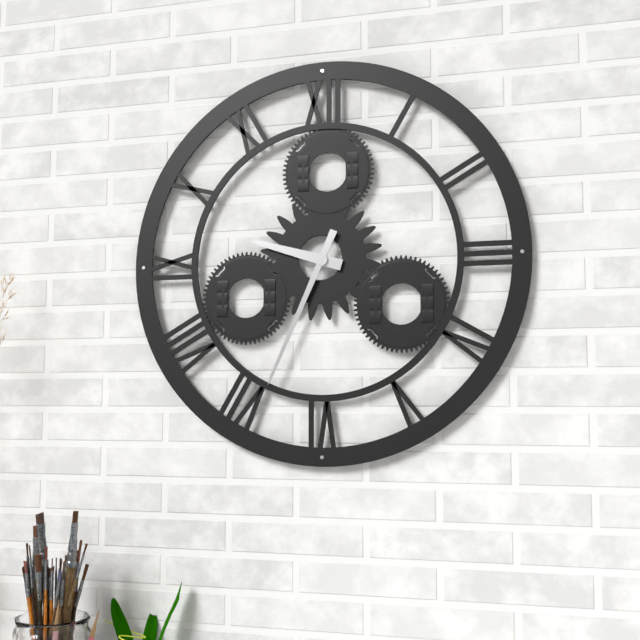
9h34
